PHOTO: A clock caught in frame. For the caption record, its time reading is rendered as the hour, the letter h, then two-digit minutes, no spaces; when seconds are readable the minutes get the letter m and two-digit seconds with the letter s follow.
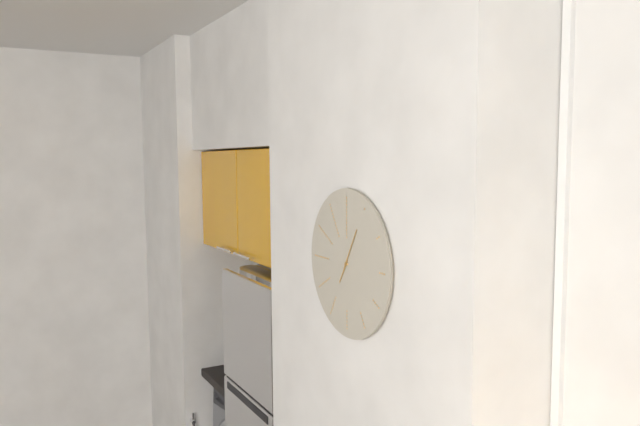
7h05
